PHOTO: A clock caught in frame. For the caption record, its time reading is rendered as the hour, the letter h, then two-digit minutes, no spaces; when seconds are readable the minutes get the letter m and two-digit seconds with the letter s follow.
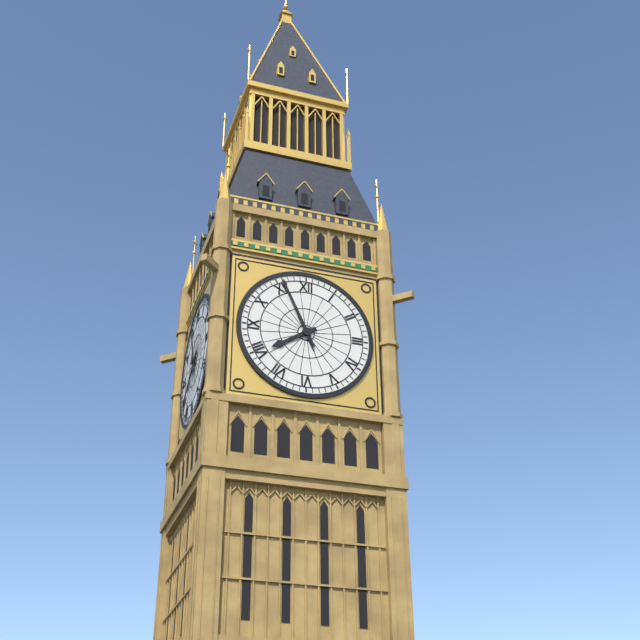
7h56
